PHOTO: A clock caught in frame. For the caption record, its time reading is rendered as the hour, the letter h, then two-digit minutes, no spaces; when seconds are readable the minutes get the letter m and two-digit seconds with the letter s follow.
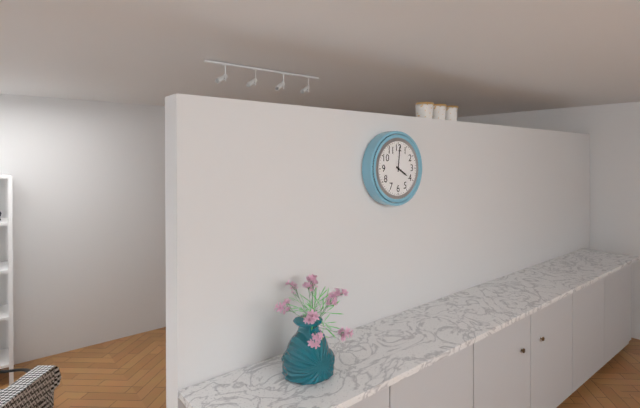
4h01
